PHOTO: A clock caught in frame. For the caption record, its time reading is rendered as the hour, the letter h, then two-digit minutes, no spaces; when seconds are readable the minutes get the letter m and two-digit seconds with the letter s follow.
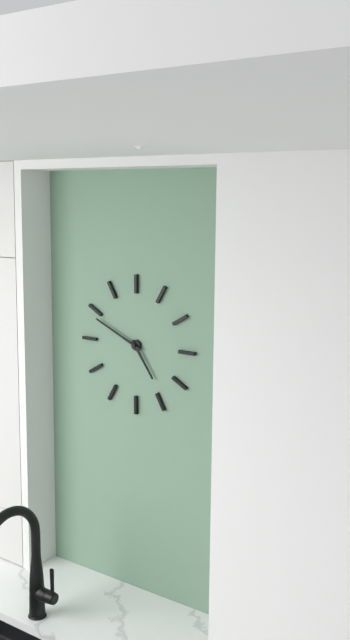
4h49
